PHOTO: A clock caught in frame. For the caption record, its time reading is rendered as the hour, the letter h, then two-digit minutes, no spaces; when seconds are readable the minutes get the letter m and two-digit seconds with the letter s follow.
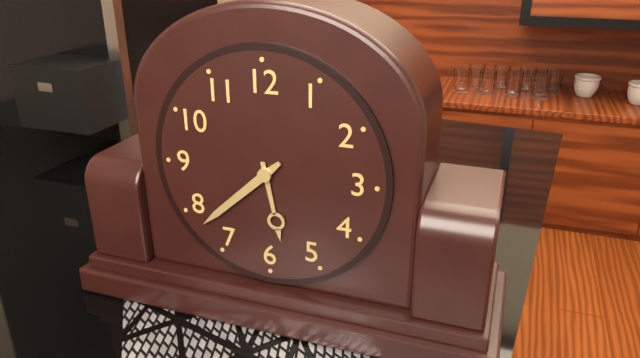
5h38
